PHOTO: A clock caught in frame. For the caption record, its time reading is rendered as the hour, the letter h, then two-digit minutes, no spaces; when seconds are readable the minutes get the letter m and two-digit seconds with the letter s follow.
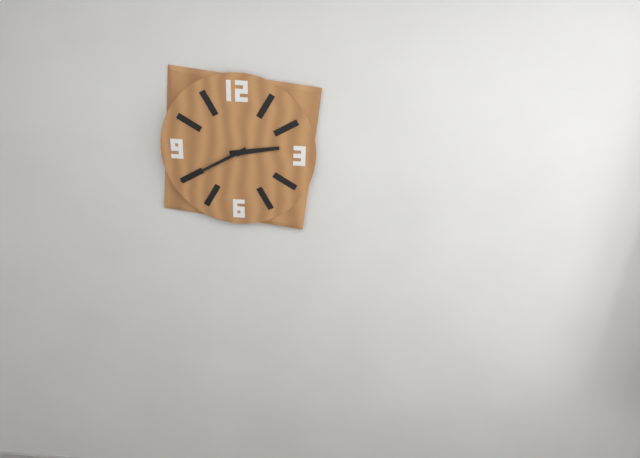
2h40
